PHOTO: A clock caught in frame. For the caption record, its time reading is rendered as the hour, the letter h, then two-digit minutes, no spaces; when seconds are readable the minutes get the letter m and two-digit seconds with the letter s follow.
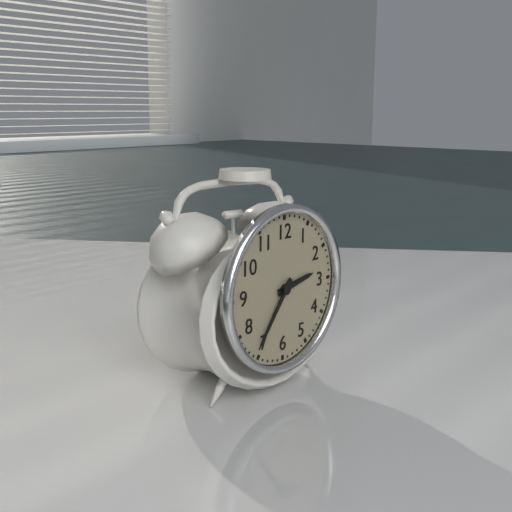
2h36
